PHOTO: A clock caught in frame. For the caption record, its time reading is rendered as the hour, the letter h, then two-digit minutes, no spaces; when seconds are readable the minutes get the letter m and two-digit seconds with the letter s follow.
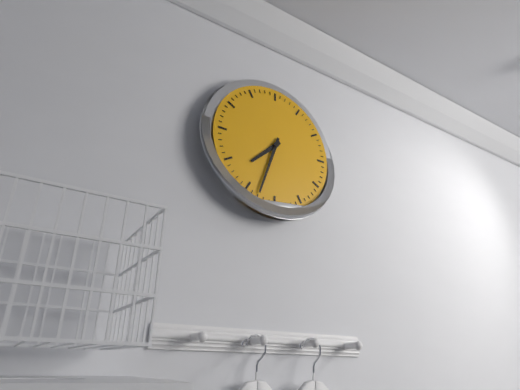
7h33
